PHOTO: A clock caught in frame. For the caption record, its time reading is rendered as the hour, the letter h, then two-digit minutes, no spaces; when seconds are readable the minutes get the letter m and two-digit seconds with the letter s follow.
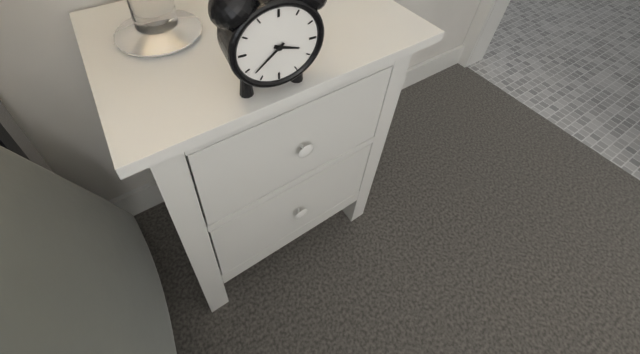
3h38
